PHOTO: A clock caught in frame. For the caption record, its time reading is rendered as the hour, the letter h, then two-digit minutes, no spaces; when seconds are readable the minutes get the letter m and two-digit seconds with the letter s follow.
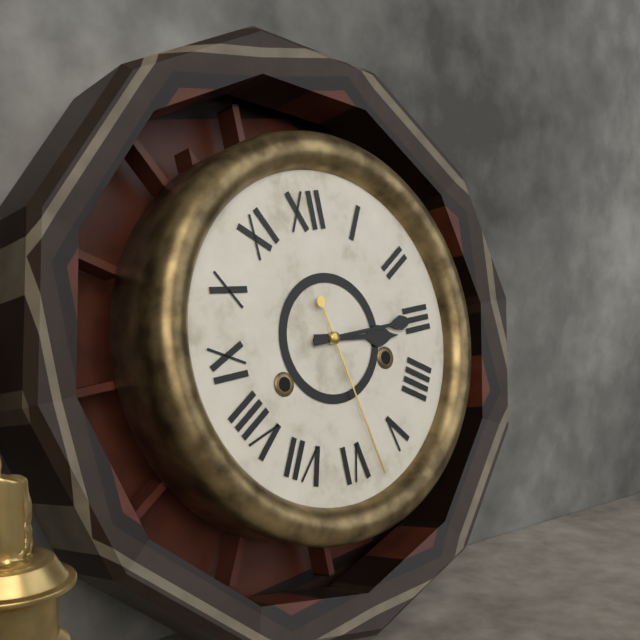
3h15m28s
